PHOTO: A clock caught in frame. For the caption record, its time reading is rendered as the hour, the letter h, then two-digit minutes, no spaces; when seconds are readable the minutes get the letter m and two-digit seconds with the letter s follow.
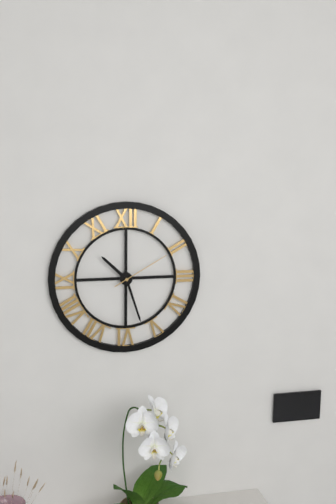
10h27m10s
